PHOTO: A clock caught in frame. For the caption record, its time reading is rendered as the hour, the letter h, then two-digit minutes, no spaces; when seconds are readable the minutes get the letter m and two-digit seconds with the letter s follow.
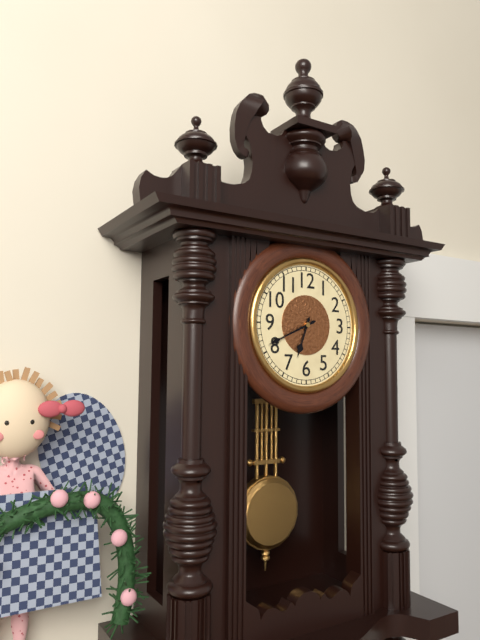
6h41
